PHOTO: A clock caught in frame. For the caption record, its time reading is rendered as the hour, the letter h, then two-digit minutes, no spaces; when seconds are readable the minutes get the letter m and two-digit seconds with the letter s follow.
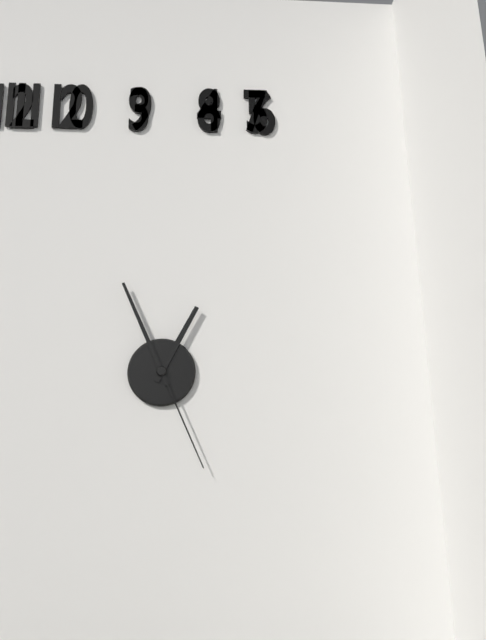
12h56m26s
